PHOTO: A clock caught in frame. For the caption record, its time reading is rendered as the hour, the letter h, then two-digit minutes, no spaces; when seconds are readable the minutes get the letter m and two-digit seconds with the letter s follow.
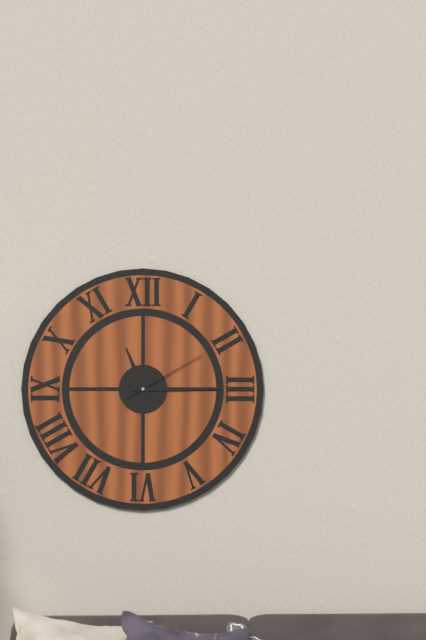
11h15m10s
